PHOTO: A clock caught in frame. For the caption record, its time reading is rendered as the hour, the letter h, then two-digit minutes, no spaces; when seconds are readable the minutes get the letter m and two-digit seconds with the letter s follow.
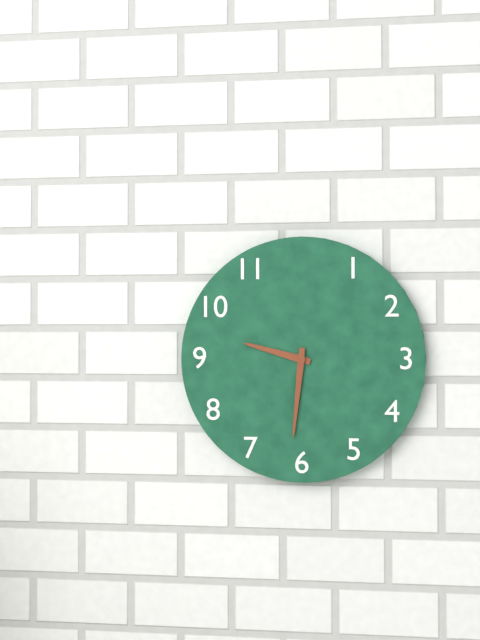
9h31
